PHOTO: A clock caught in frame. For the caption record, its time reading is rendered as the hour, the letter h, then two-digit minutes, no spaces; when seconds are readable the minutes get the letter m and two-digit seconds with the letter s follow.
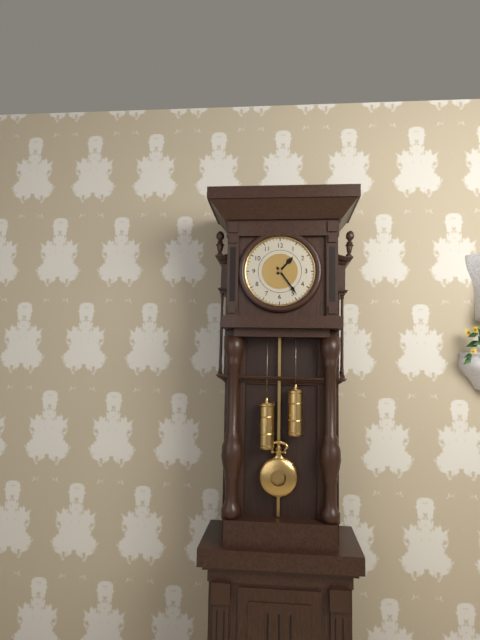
1h24
